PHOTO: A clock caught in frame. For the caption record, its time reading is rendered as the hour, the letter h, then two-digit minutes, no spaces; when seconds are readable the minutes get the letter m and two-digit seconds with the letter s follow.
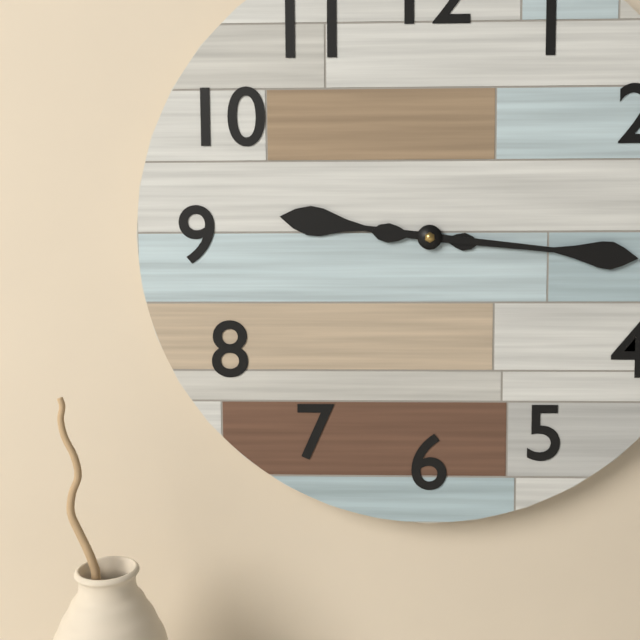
9h16
